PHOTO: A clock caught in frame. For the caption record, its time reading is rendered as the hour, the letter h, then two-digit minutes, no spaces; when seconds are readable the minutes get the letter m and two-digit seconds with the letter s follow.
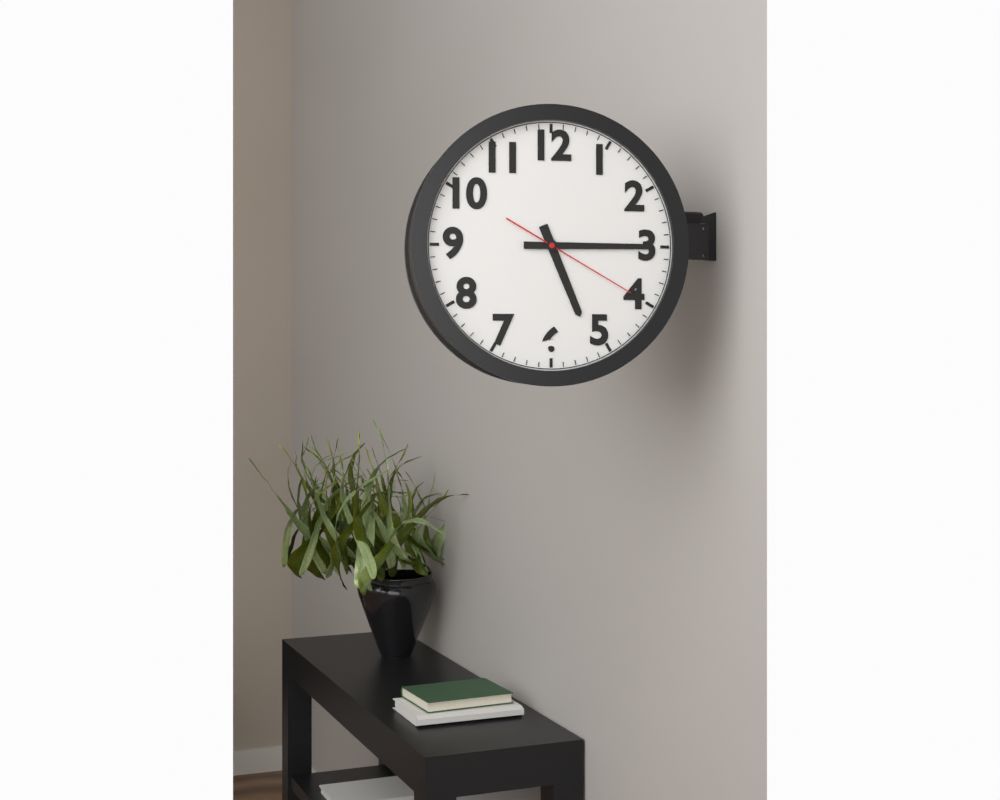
5h15m20s
